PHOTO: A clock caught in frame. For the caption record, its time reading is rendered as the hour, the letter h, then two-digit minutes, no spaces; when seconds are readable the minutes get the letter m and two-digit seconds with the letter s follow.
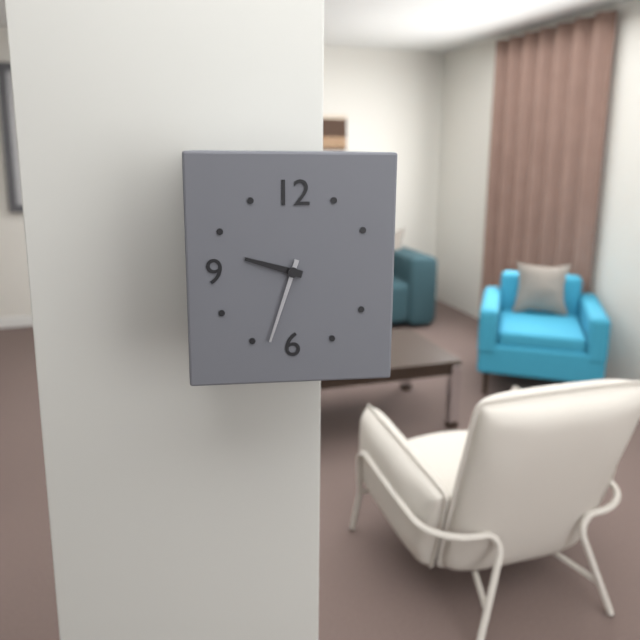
9h33
